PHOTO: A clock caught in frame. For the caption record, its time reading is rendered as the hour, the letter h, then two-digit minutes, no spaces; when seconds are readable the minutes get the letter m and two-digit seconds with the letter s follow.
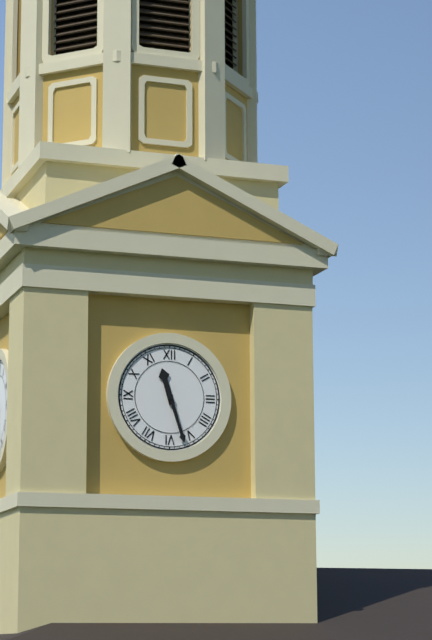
11h27
